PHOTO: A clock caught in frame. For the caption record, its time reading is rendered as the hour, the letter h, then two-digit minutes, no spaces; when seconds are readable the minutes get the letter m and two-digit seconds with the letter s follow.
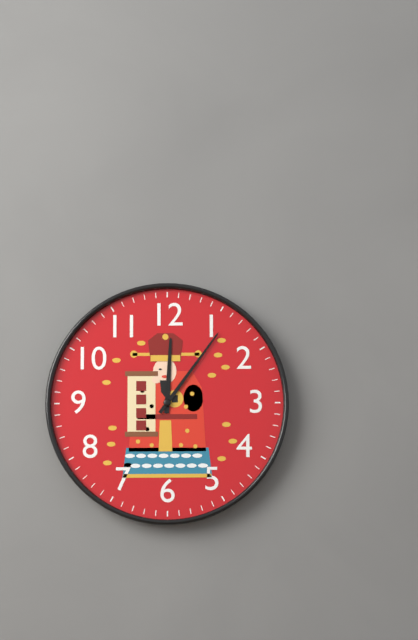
12h06
